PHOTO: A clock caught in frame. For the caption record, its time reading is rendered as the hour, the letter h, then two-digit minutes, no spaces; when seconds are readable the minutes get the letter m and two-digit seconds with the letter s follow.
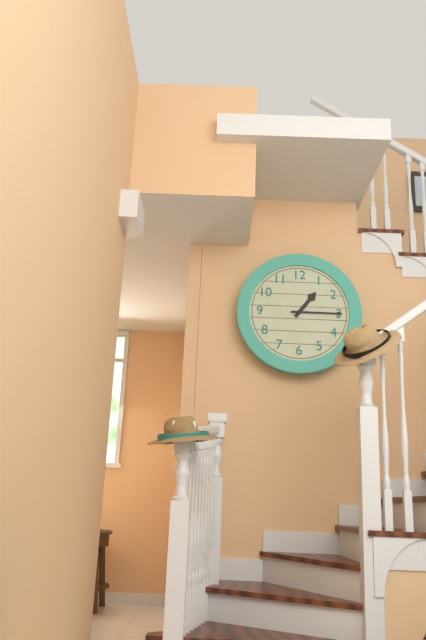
1h15
